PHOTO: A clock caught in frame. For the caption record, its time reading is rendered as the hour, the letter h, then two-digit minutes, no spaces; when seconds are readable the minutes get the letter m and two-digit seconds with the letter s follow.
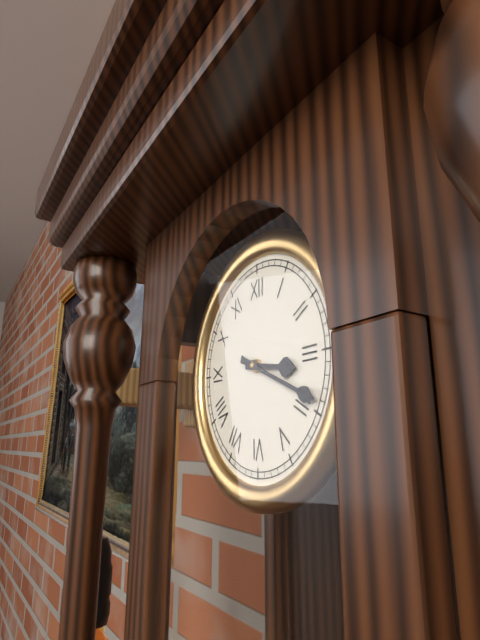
3h19
